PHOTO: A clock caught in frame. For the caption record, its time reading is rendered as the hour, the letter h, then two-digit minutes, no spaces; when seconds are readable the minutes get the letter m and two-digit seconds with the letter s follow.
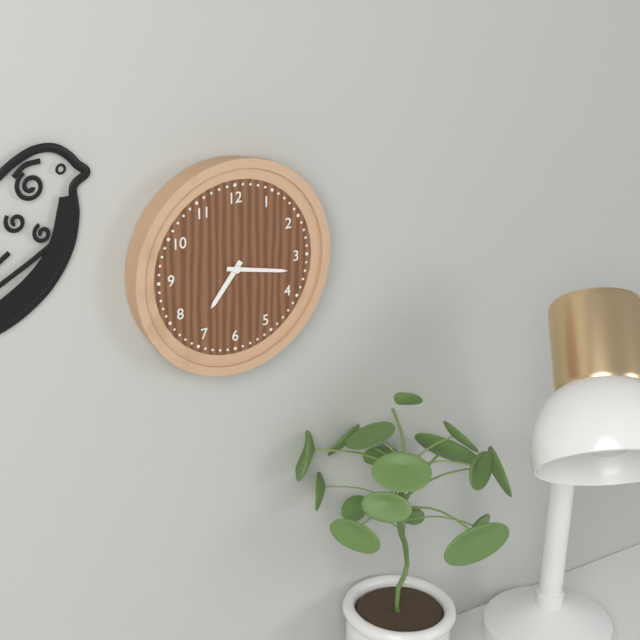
7h17
